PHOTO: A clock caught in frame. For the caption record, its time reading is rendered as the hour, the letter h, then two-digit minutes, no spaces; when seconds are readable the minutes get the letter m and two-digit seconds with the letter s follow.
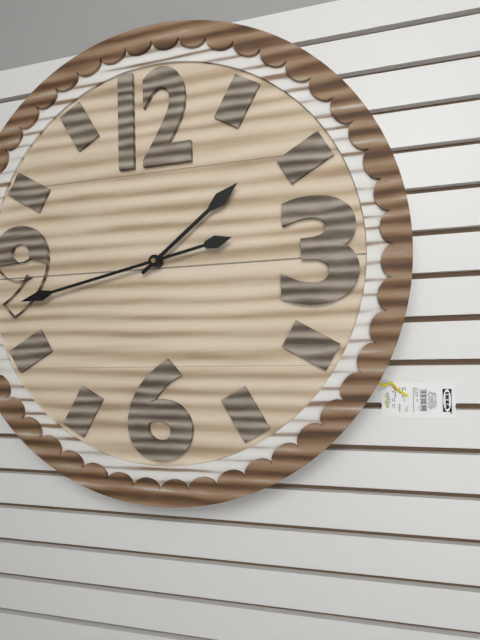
1h43
